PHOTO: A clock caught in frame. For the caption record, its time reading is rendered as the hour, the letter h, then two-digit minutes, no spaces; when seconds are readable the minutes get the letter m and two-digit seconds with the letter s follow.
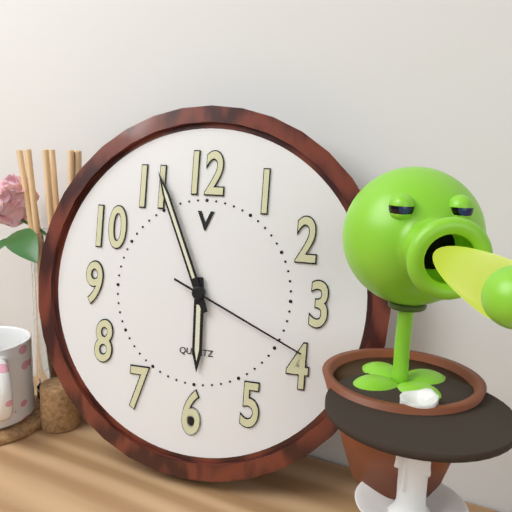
5h56m19s
